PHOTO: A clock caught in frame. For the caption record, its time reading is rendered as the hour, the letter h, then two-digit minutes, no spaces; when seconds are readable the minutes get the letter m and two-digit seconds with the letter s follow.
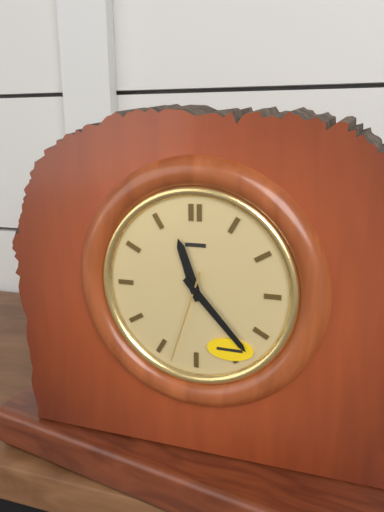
11h23m33s
